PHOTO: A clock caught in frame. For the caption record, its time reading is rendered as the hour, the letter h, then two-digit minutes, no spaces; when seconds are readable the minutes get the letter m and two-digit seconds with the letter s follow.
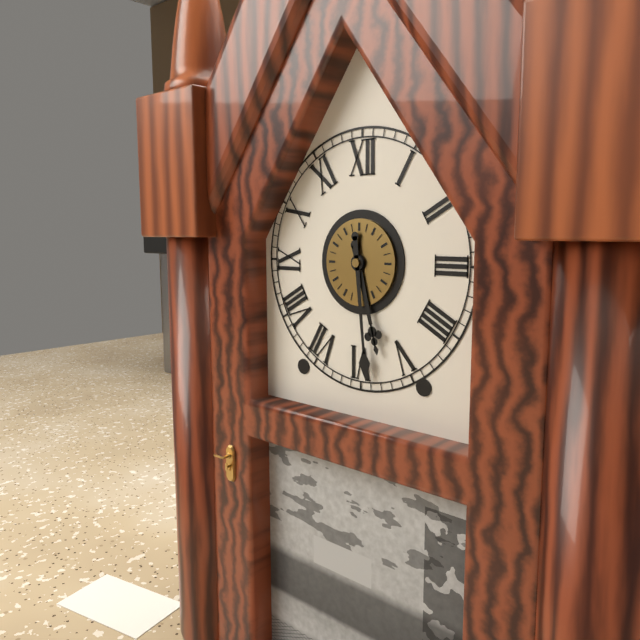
5h29
